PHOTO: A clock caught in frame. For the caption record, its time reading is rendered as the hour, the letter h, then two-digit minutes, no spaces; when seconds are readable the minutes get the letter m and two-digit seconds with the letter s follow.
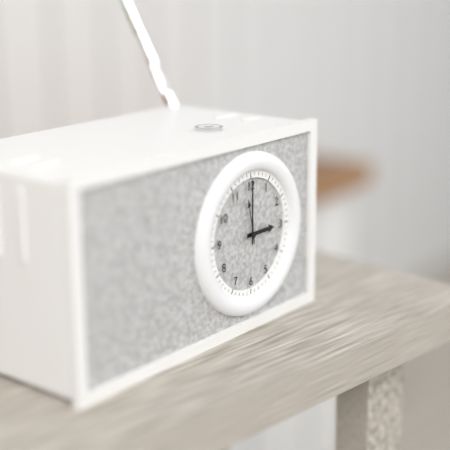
3h00
